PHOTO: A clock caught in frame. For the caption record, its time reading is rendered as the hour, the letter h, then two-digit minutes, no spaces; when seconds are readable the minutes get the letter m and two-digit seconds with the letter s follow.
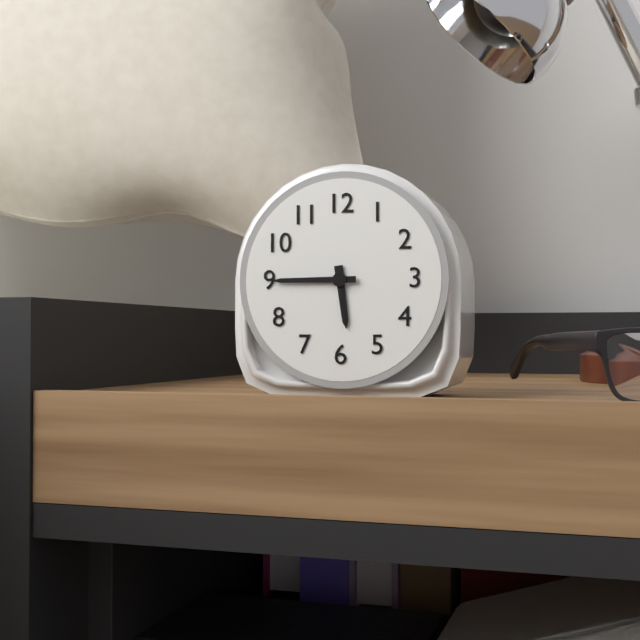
5h45
